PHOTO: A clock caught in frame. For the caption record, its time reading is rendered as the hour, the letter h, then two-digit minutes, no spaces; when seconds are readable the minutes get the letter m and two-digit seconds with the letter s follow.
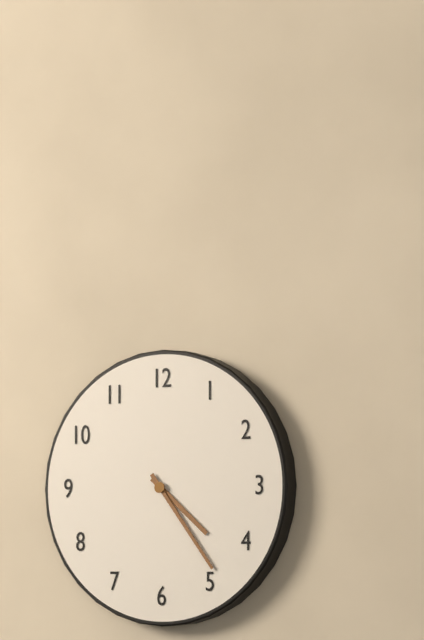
4h24
